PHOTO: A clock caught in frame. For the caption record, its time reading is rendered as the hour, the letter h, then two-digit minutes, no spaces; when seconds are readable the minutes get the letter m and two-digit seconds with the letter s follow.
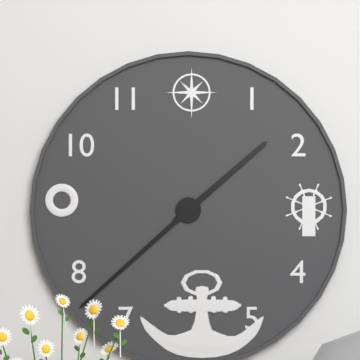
1h38
